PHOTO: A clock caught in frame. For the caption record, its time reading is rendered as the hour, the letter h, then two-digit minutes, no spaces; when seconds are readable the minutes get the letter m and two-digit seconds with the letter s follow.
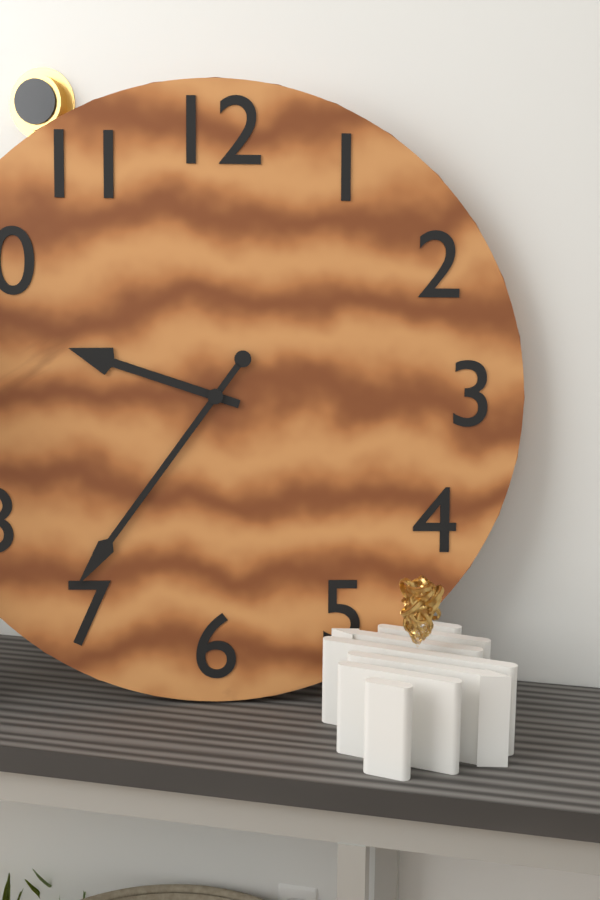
9h36
